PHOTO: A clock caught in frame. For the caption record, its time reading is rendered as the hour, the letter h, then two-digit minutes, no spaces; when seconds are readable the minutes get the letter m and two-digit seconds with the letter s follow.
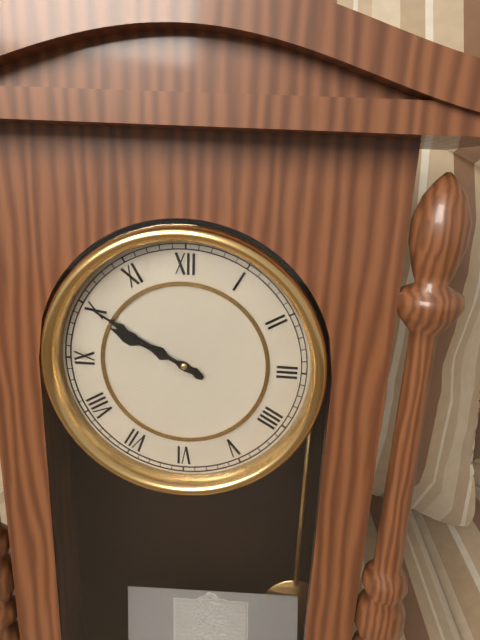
9h50
